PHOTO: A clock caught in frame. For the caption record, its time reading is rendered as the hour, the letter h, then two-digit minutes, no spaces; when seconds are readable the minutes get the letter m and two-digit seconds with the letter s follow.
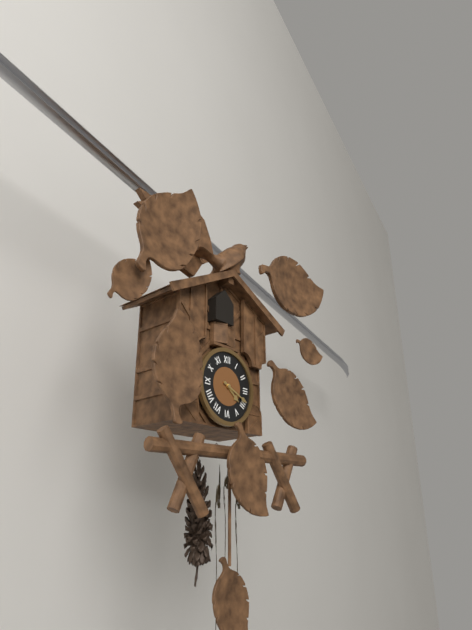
4h19
